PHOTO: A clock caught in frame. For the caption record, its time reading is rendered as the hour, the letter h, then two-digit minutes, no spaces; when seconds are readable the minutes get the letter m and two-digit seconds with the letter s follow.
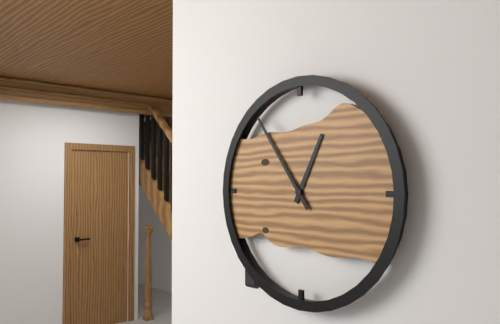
12h54
